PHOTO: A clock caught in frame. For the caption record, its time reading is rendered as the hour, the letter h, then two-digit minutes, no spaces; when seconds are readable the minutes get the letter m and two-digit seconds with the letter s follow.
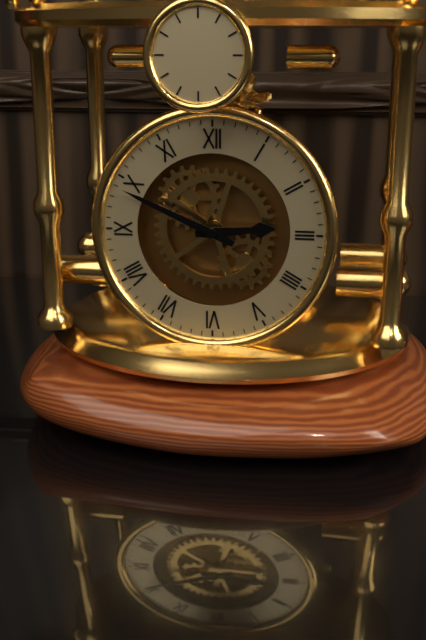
2h49
